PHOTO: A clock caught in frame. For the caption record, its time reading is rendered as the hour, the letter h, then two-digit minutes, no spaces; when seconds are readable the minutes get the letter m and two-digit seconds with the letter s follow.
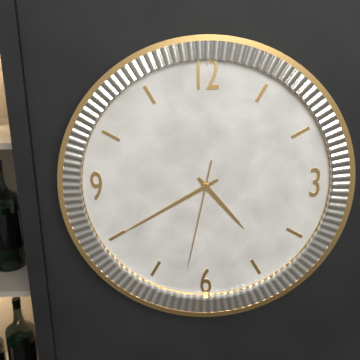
4h40m32s
